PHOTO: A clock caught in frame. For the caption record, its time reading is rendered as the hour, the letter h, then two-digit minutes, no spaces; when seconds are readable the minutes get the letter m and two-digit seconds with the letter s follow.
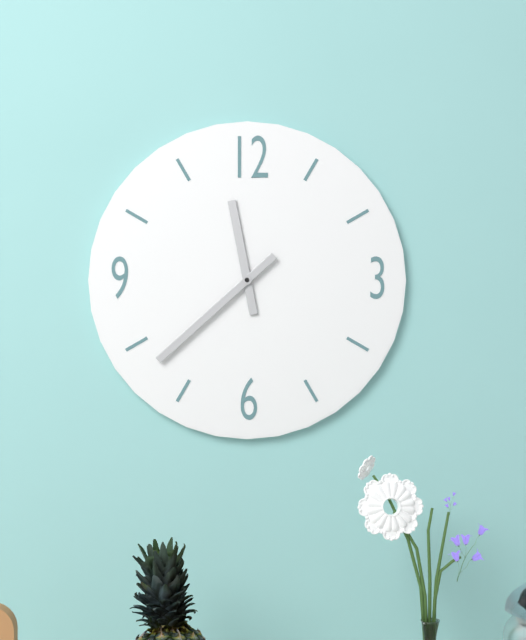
11h38
